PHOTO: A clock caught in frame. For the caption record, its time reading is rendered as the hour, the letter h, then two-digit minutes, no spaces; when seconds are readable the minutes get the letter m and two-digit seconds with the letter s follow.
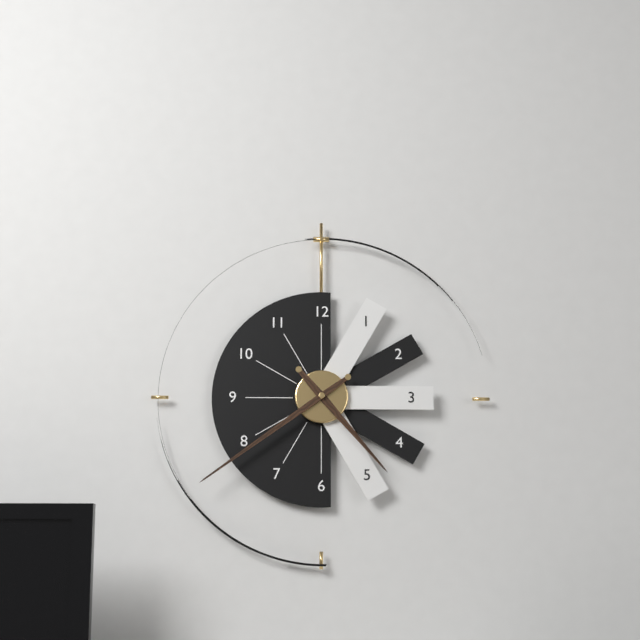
4h39
